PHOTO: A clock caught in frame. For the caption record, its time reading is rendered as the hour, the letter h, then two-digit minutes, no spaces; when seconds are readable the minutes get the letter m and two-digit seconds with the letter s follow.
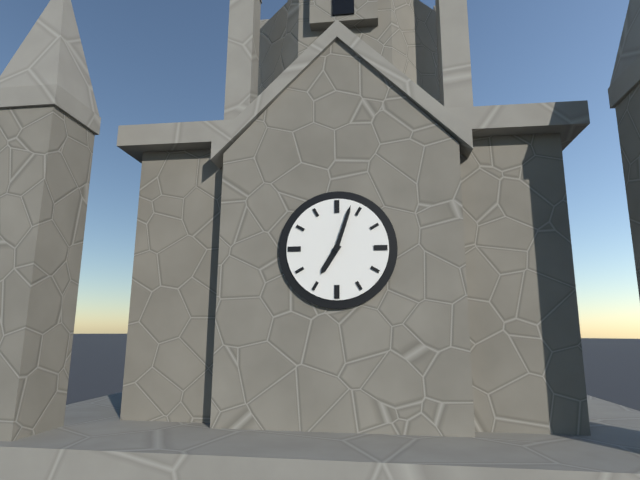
7h03
